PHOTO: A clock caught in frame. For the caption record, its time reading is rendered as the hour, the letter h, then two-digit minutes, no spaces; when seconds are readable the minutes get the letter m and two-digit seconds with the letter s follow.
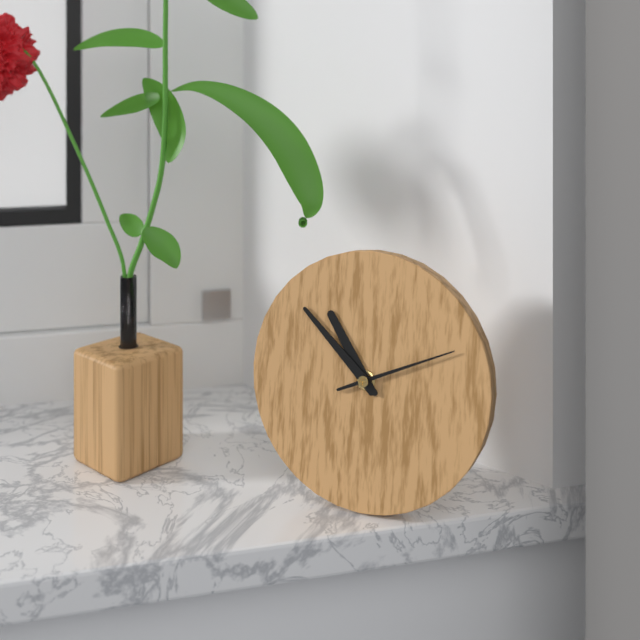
10h52m11s
